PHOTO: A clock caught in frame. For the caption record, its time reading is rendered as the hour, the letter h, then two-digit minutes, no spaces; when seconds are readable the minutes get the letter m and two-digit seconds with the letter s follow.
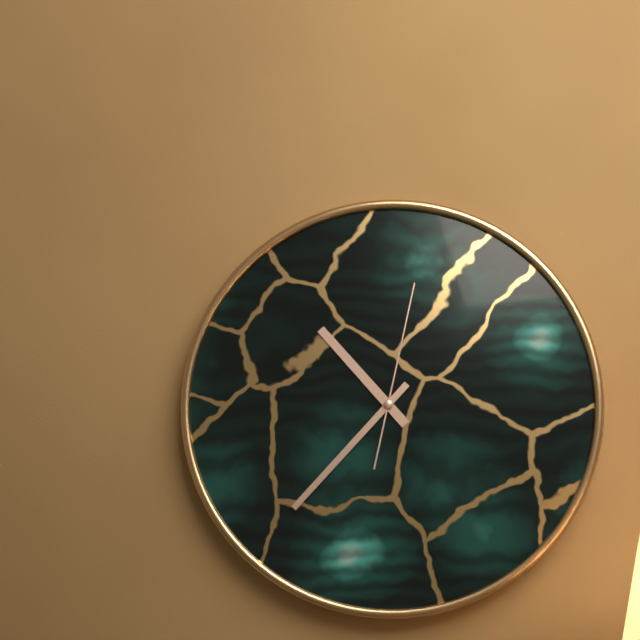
10h37m02s
